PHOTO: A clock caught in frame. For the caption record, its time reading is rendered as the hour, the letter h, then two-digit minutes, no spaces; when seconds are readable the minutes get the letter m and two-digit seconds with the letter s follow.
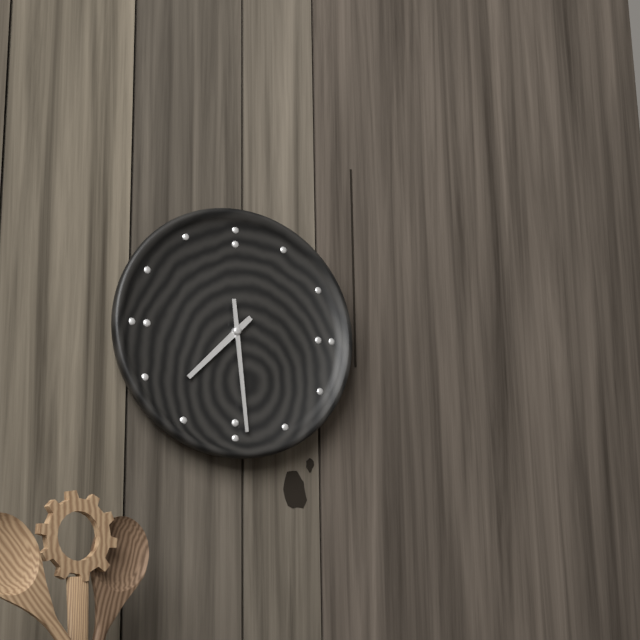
7h29
